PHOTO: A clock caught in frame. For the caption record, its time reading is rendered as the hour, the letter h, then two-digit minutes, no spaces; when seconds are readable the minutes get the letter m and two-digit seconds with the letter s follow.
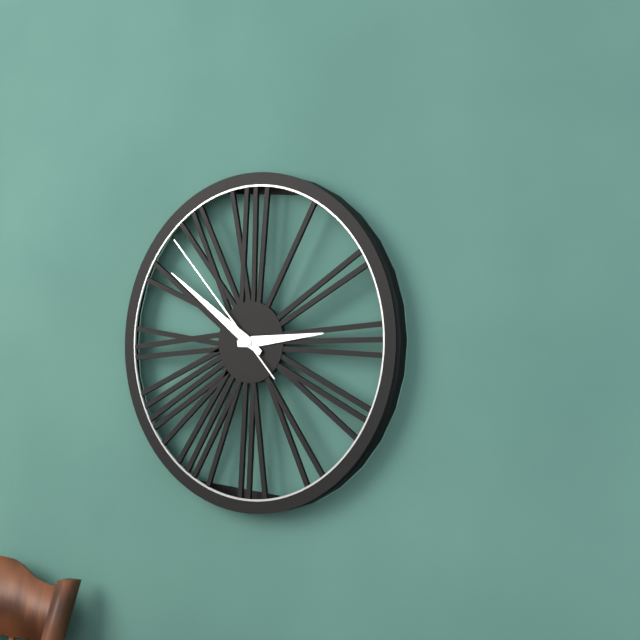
2h51m53s
